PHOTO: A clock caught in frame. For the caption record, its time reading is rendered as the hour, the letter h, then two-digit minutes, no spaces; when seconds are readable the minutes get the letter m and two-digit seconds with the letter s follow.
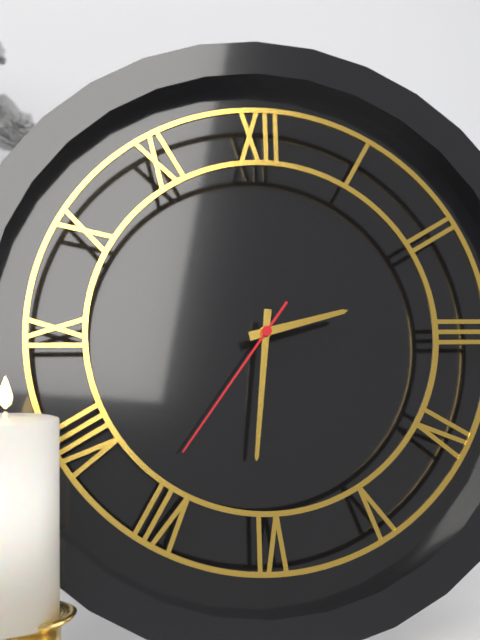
2h31m36s
